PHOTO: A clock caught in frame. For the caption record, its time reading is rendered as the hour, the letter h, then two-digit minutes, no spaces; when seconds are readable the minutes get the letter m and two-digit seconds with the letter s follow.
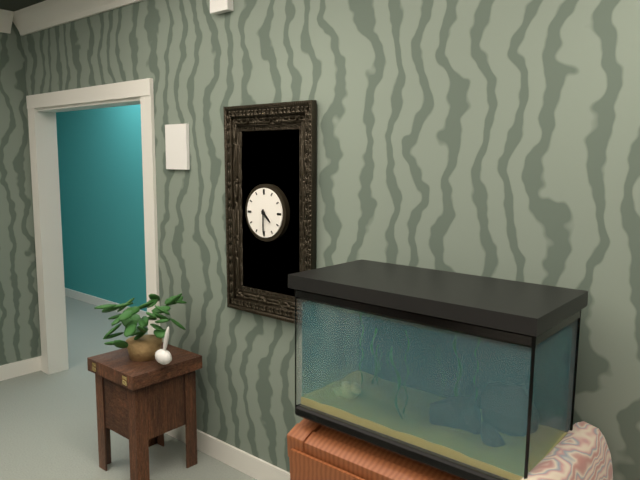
4h30
